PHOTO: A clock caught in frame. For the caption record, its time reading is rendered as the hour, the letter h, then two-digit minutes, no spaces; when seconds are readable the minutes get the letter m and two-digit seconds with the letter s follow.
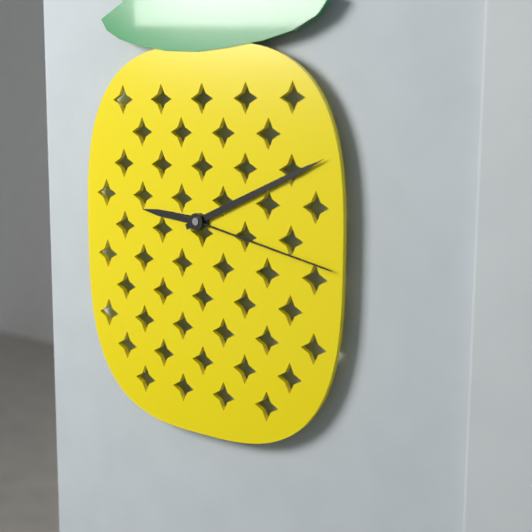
9h11m17s
